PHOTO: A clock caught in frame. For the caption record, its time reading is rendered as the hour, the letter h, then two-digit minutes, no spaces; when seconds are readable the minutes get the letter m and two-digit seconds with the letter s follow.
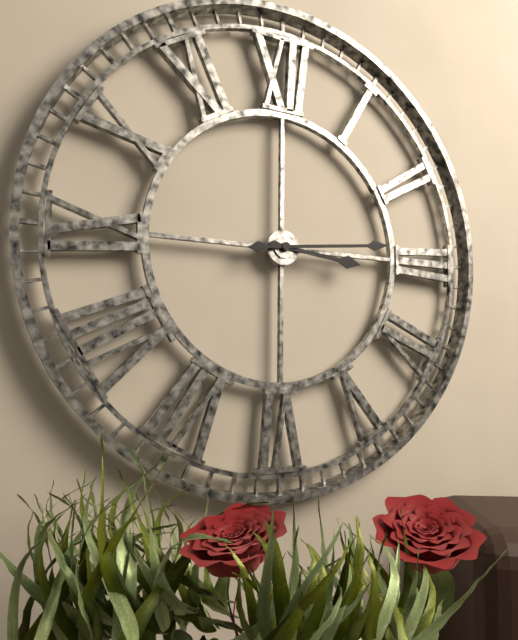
3h14
